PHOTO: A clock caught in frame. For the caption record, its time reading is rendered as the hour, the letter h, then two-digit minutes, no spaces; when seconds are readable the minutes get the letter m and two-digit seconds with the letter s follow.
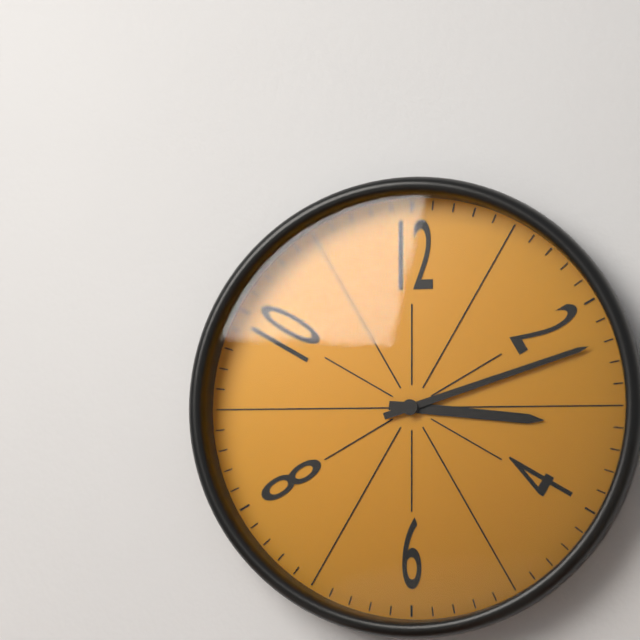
3h12
